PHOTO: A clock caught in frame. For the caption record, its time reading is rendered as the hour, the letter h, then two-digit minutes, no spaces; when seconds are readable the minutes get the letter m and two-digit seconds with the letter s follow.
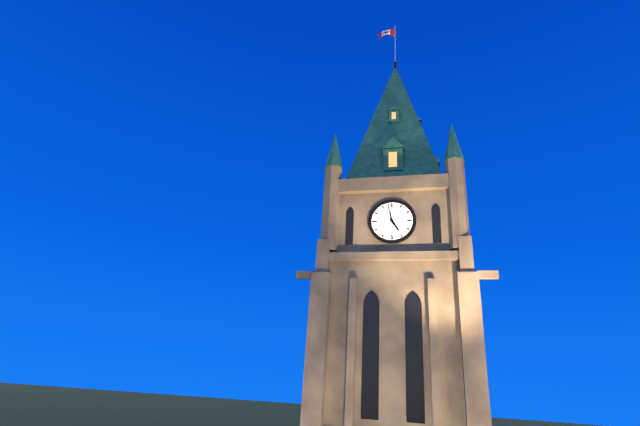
4h58
